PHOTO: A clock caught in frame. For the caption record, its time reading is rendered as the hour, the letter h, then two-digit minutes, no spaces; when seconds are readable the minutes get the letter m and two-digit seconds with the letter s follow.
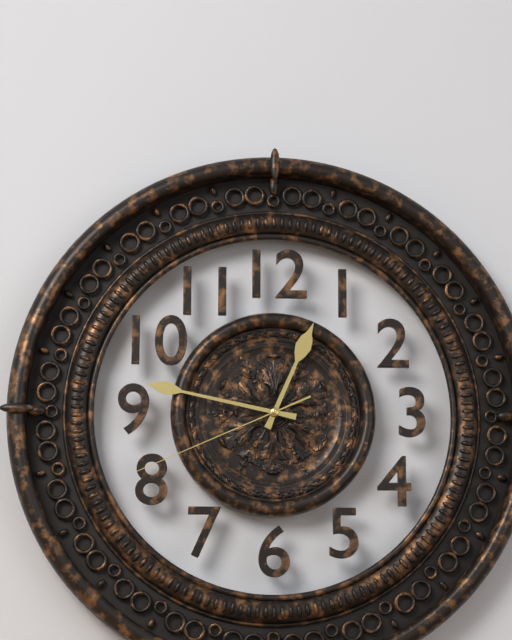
12h47m41s
